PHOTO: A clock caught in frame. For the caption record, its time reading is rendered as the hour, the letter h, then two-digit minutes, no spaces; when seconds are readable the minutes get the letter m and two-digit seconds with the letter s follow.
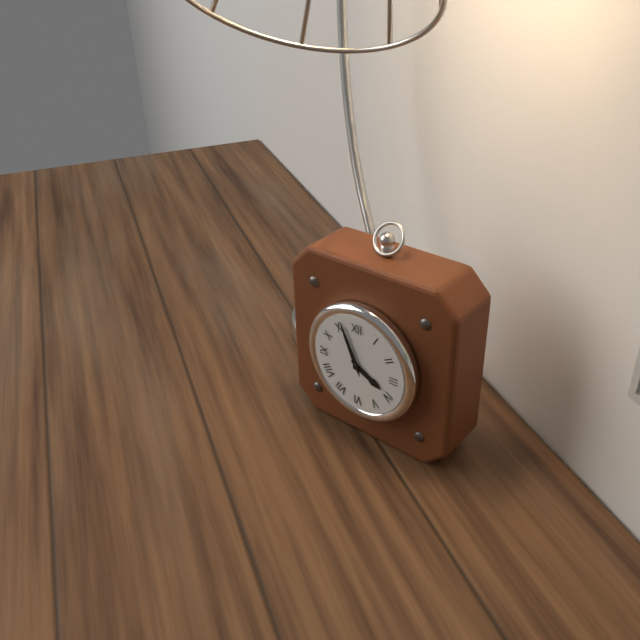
3h56
